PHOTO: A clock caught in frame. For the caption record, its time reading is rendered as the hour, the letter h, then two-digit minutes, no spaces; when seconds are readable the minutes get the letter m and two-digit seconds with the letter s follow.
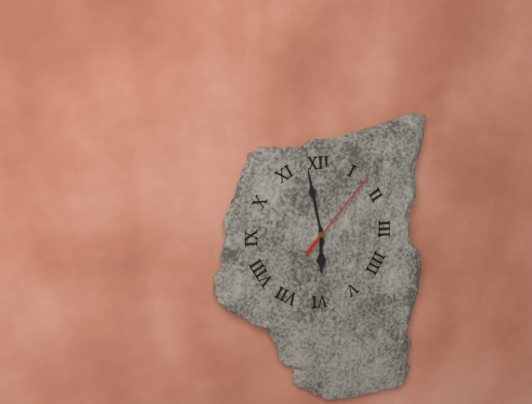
5h58m07s
